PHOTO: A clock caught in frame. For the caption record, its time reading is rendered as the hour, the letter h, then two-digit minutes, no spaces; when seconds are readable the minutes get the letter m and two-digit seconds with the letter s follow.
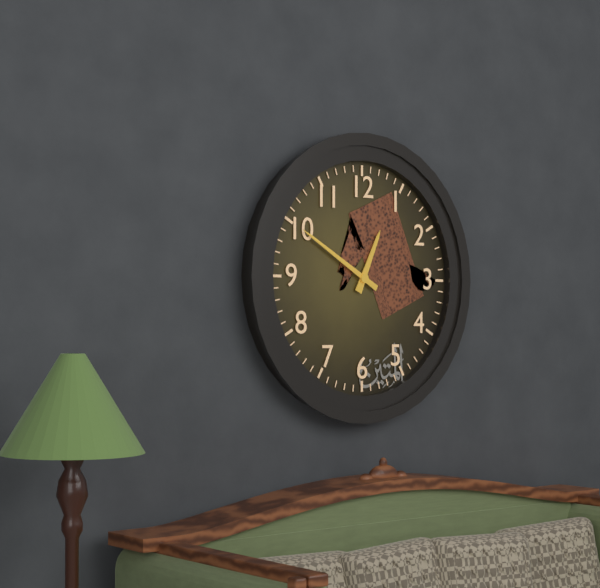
12h50
